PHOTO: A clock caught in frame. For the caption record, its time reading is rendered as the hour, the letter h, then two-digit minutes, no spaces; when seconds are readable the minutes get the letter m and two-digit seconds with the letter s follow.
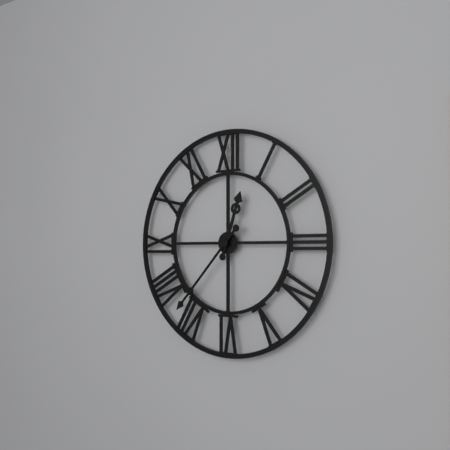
12h37
